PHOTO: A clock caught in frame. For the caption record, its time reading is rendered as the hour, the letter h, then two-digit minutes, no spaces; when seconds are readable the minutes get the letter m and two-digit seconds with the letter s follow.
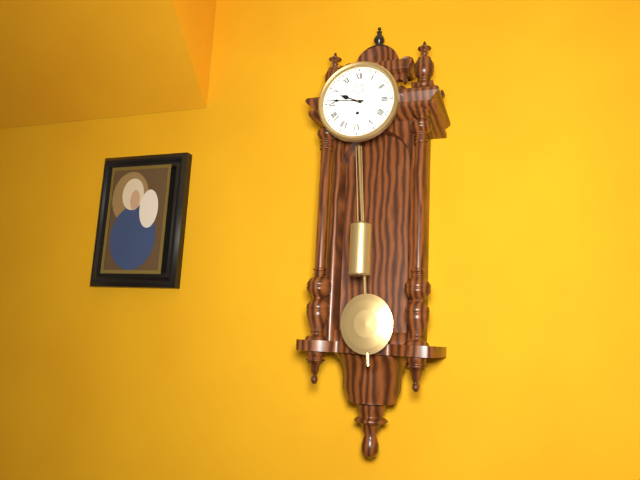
9h46
